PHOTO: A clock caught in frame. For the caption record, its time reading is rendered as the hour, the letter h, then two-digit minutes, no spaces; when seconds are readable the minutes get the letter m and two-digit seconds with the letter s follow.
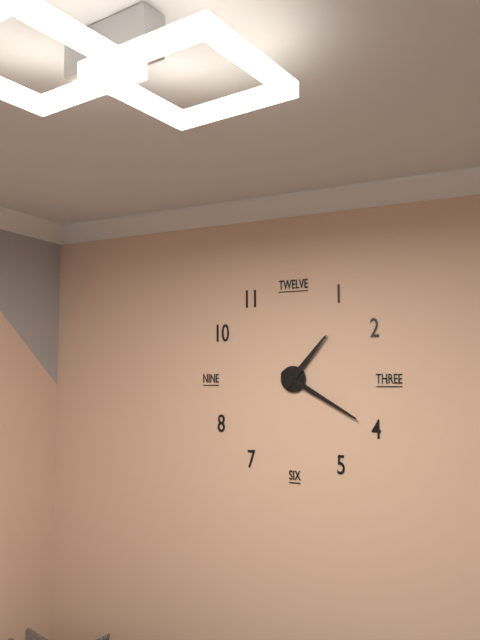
1h20
